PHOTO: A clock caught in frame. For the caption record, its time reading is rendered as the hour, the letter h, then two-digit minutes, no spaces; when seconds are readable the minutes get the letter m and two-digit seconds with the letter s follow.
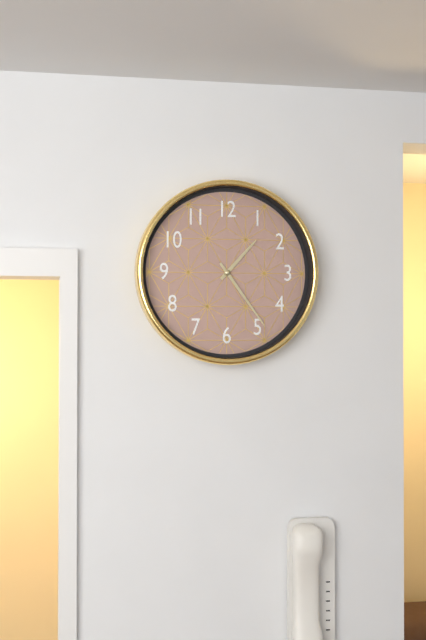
1h24
